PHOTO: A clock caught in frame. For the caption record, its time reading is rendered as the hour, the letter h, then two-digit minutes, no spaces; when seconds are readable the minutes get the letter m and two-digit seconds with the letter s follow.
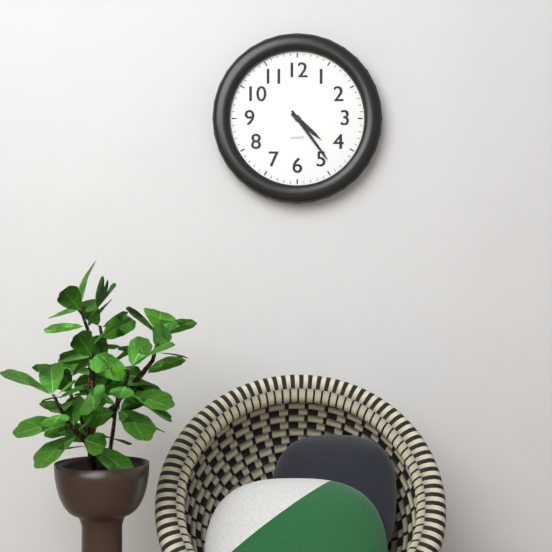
4h24
